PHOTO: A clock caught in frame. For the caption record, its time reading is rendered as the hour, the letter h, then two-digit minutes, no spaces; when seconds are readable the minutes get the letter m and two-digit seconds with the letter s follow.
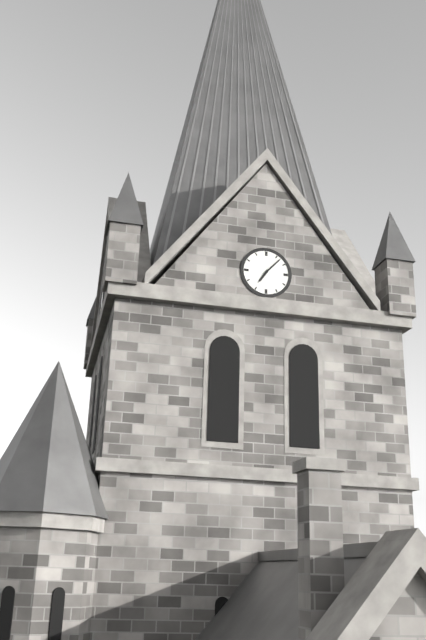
7h07
